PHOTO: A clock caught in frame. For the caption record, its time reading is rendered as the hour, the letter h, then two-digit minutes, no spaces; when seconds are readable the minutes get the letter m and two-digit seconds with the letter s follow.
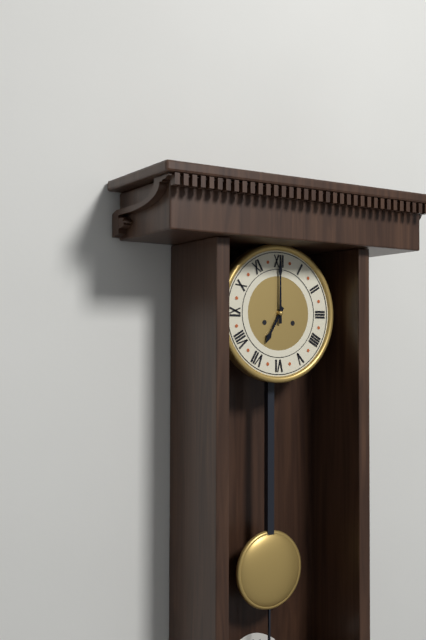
7h00
